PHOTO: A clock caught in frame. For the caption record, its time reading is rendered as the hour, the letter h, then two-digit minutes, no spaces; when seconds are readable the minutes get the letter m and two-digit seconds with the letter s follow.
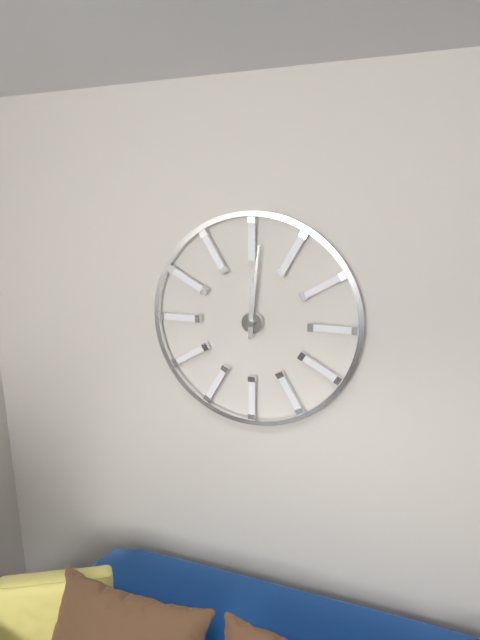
12h01
